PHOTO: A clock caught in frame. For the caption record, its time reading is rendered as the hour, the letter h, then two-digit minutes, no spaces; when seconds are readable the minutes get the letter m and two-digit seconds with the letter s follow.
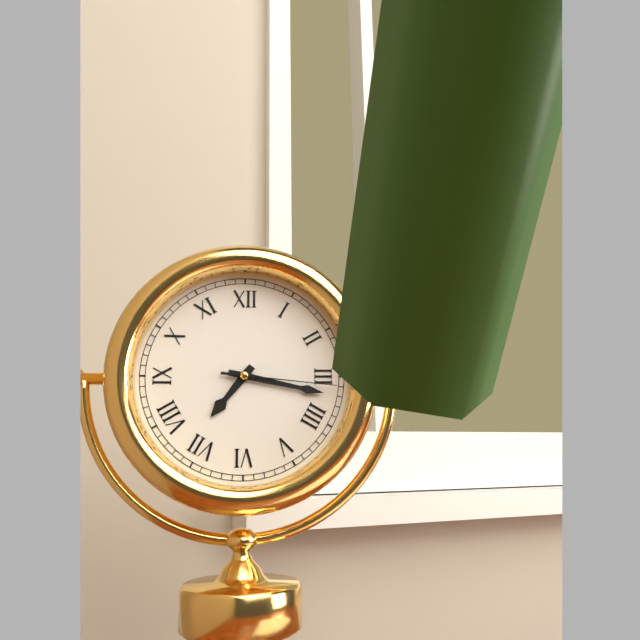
7h17m16s
